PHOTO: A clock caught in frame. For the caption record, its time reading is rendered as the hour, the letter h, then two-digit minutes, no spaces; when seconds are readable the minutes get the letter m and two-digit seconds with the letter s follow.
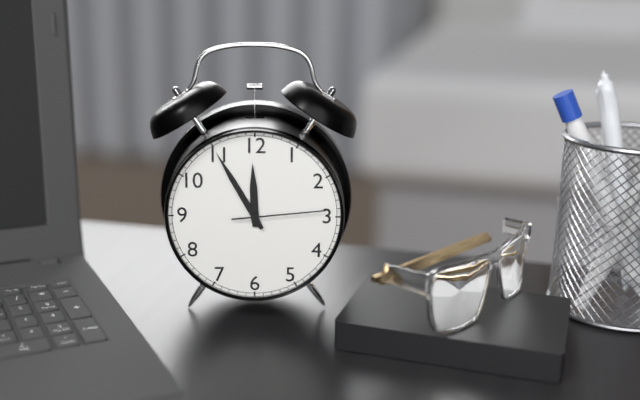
11h55m14s
